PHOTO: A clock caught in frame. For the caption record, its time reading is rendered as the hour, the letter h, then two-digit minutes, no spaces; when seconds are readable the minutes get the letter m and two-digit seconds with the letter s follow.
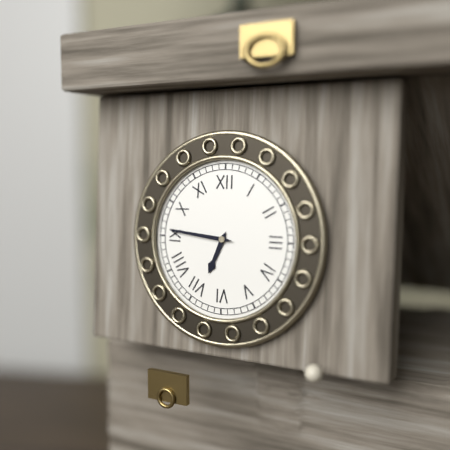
6h46
